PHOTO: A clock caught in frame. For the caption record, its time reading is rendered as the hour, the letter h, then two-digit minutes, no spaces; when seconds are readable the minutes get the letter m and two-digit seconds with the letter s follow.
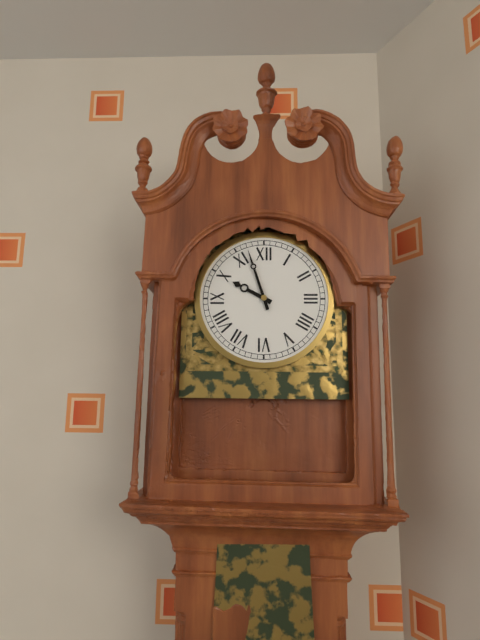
9h57
